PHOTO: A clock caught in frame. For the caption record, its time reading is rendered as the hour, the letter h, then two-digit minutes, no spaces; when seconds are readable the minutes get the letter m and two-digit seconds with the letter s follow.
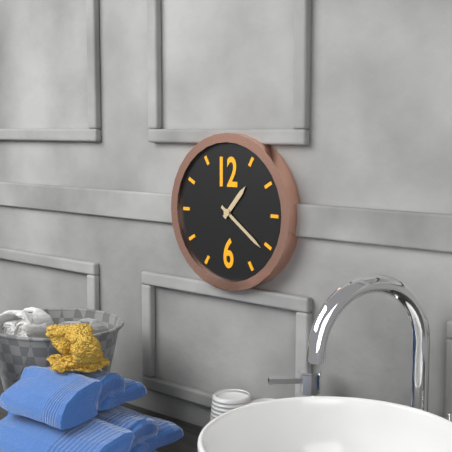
1h21
